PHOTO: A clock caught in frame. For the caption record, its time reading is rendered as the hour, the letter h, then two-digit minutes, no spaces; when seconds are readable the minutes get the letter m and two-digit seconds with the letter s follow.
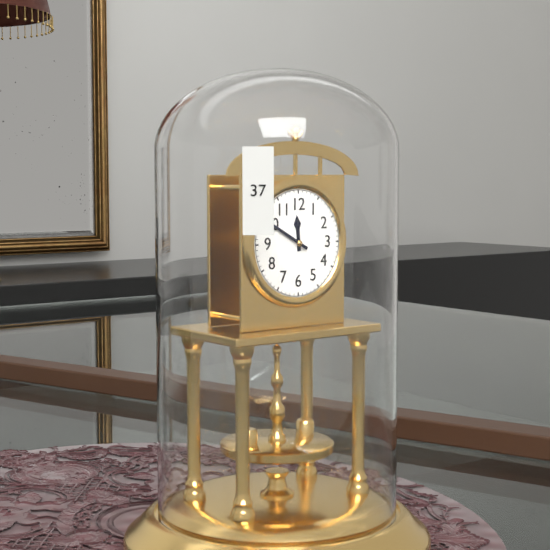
11h50
